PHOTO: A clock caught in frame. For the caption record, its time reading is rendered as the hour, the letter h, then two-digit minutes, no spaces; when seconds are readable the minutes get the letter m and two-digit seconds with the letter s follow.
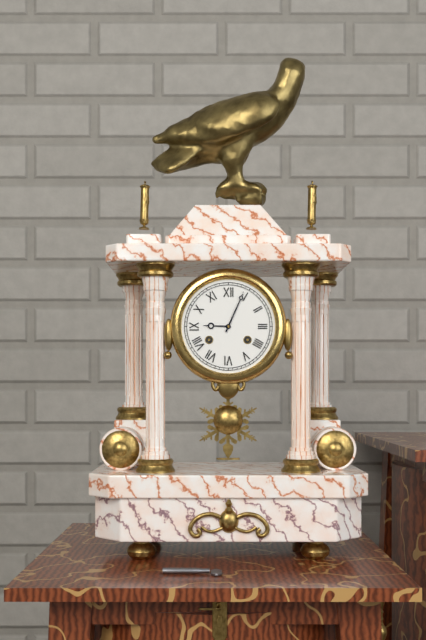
9h04
